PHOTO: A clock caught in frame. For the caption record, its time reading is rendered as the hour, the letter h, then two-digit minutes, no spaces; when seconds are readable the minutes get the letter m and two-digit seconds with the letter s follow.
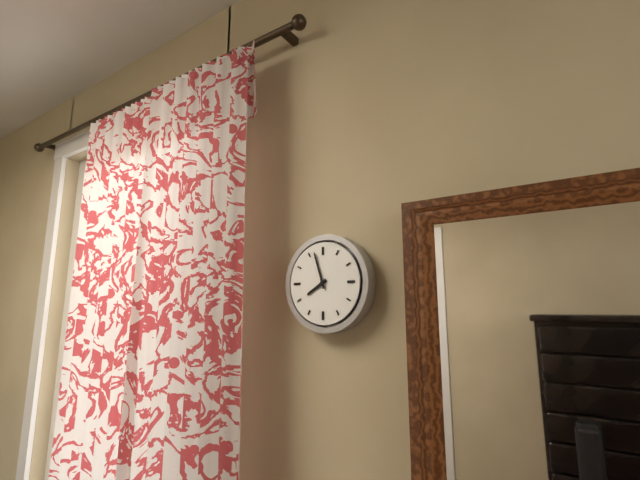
7h57
